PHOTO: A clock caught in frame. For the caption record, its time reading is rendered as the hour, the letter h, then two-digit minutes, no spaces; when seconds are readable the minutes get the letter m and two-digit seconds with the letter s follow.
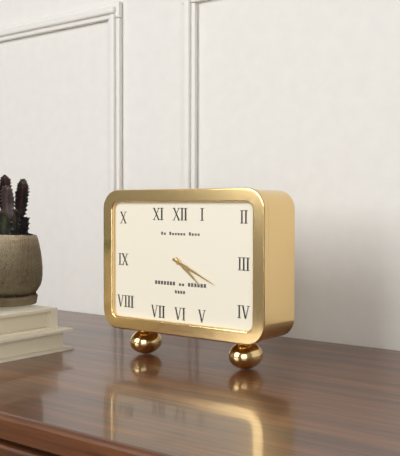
4h19
